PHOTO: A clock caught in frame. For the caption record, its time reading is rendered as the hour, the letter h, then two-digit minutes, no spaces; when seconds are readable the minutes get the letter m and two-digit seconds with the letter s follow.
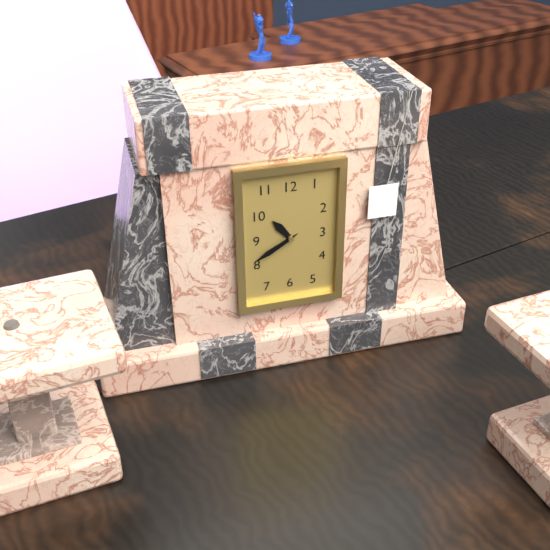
10h40
